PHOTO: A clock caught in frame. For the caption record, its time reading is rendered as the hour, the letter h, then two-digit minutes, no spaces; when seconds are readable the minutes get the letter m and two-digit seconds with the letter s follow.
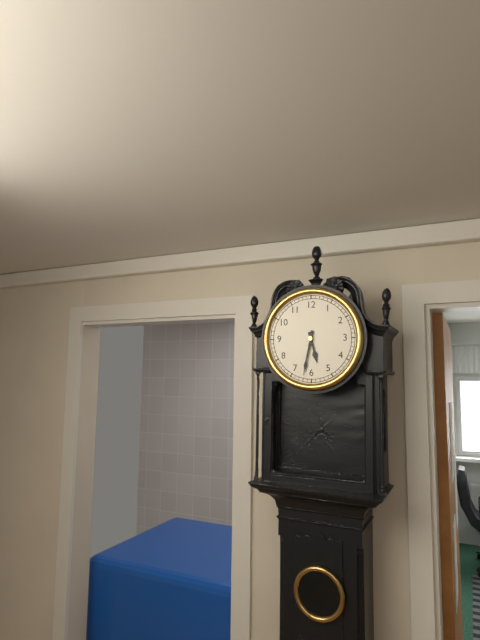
5h32
